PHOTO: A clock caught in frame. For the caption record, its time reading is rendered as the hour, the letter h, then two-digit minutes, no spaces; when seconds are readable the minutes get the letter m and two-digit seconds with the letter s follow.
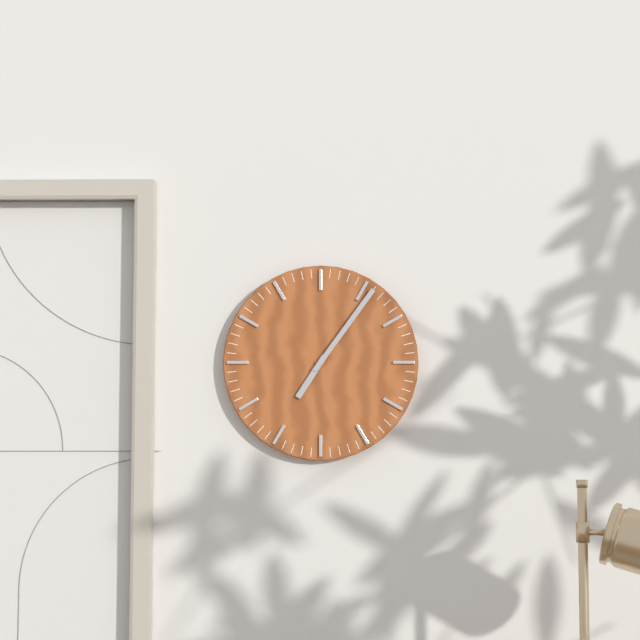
7h06
